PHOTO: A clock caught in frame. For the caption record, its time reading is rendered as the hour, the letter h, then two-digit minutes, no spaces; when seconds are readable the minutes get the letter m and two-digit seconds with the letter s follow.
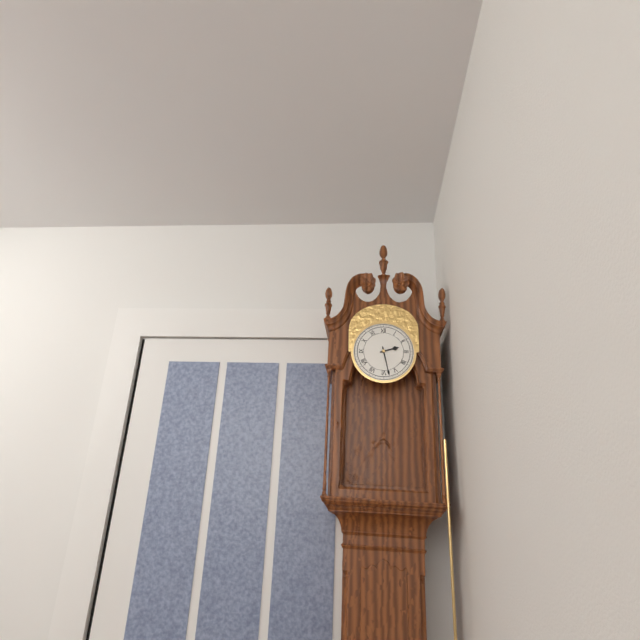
2h28
